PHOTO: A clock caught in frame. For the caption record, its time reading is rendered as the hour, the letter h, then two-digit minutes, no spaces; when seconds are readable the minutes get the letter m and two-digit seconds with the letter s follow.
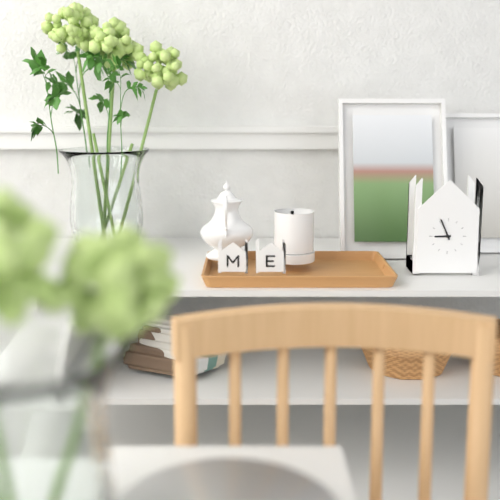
8h56
